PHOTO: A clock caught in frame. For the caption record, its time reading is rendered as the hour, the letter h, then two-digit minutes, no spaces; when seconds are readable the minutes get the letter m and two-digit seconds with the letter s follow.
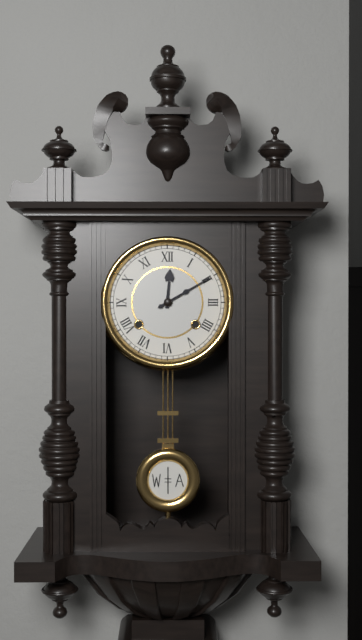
12h10
